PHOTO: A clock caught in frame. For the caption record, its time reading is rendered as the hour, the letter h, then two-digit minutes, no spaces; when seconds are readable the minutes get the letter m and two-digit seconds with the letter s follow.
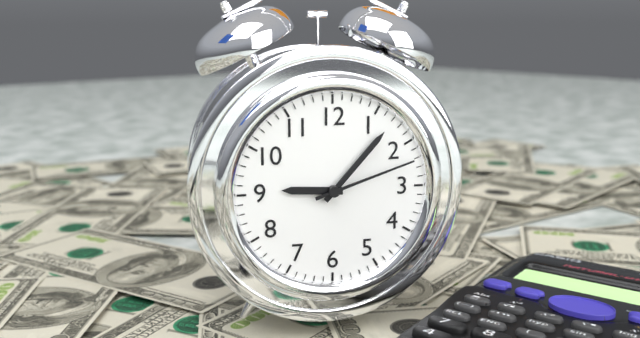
9h07m12s
